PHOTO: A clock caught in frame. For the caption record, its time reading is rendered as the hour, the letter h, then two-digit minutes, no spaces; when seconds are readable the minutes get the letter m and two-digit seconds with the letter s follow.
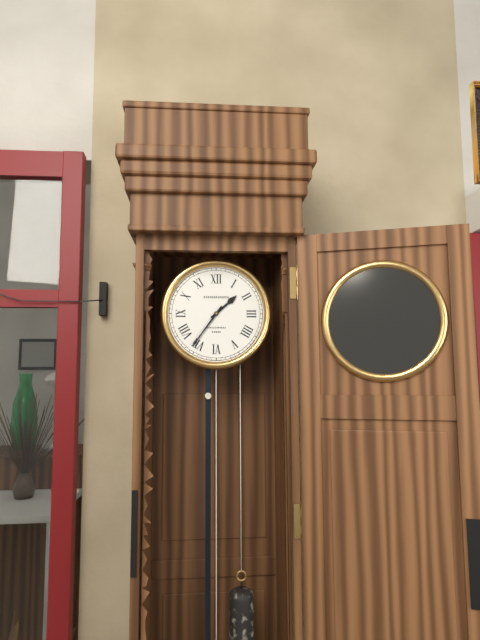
1h36
